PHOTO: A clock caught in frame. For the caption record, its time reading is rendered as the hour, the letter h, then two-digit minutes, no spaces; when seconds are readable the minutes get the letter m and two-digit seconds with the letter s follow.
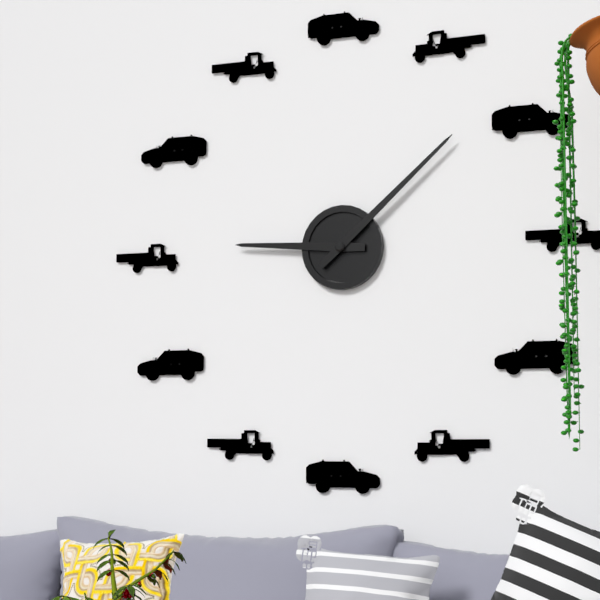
9h08
